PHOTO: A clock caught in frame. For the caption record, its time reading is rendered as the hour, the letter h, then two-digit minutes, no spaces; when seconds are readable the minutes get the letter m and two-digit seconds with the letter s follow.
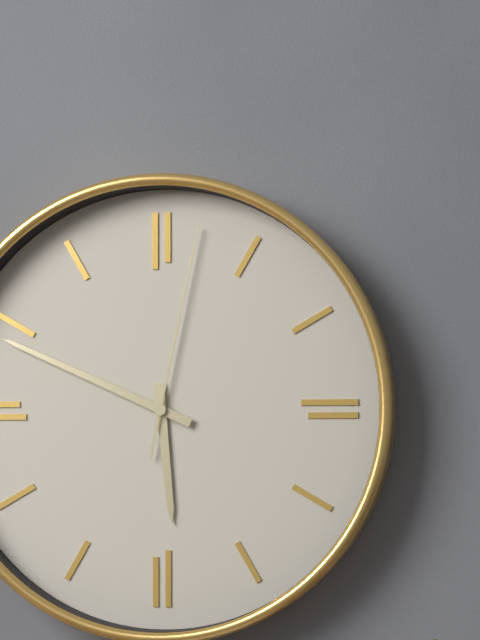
5h49m02s
